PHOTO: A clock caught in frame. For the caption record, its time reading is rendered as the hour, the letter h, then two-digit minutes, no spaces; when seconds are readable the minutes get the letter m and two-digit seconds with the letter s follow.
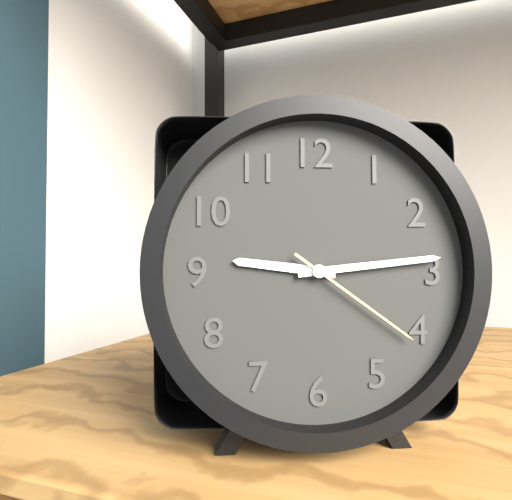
9h14m21s
